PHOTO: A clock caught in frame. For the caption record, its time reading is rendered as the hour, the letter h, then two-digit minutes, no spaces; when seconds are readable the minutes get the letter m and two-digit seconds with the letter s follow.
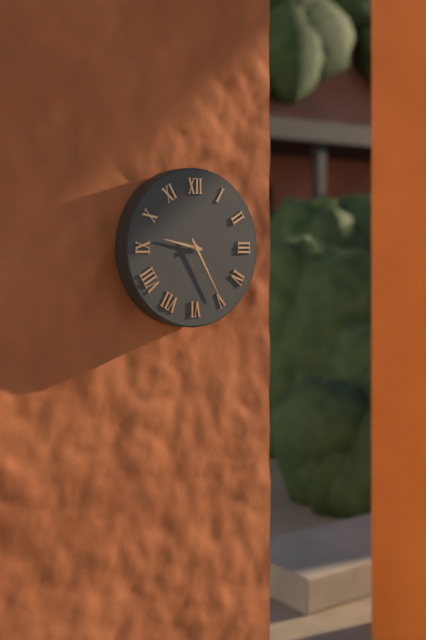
9h25
